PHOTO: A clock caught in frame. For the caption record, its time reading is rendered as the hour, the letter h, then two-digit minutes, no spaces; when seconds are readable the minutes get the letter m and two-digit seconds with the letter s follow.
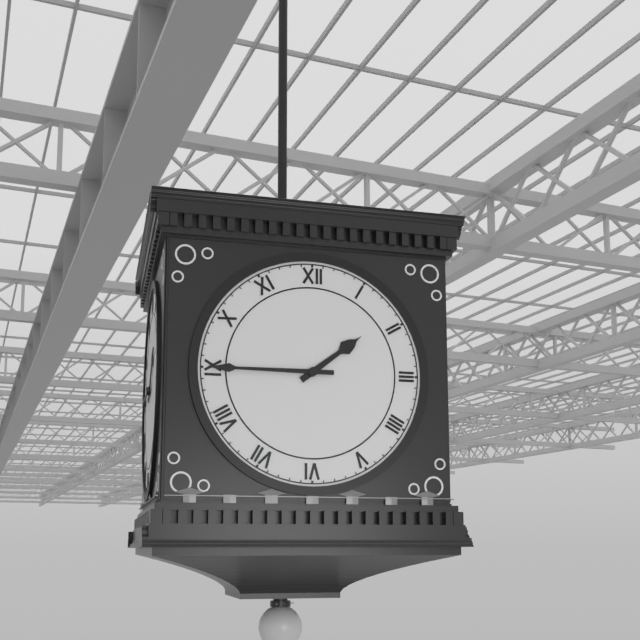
1h45
